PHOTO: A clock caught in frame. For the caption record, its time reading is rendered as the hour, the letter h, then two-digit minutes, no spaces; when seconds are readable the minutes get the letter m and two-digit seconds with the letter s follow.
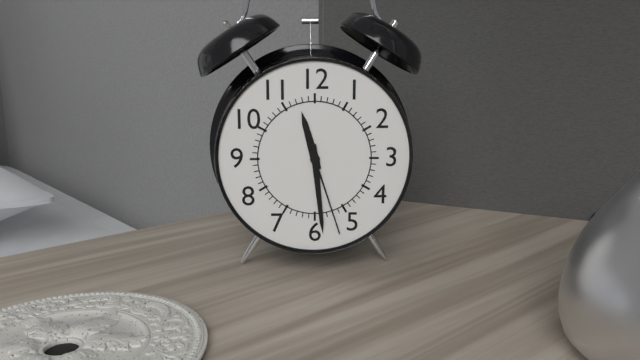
11h29m27s
